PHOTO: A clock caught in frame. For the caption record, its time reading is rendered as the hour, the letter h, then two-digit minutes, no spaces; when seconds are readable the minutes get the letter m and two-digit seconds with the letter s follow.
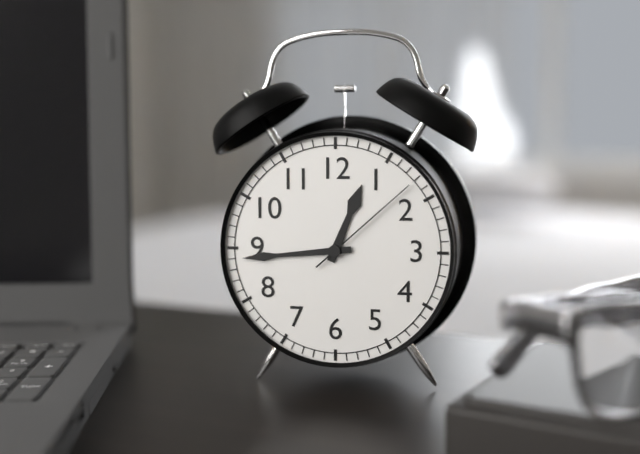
12h44m08s
